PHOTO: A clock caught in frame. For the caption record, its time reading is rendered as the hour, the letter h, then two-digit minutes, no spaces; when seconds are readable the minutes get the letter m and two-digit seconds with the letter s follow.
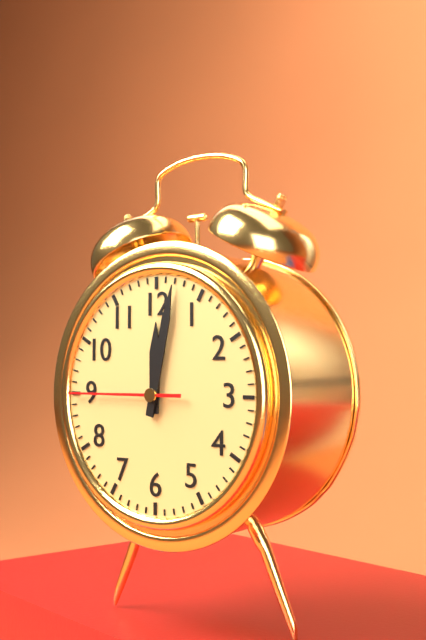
12h02m45s
